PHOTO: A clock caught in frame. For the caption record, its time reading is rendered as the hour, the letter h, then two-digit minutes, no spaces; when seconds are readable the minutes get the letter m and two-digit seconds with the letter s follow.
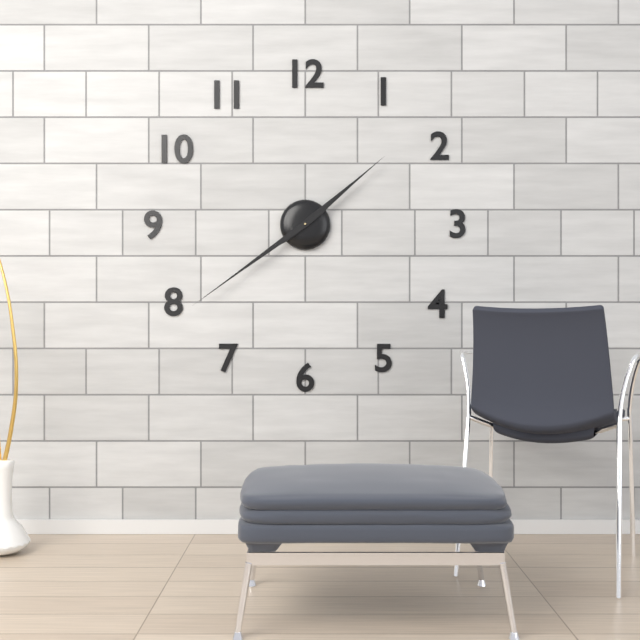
1h39
